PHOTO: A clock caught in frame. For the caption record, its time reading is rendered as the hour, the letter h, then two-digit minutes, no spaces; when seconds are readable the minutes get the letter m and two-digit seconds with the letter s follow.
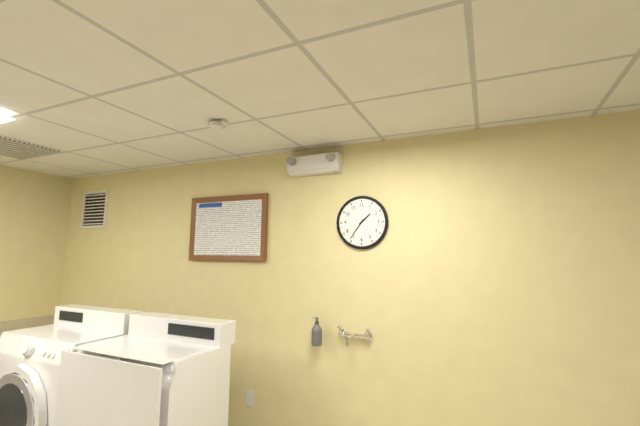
1h36
